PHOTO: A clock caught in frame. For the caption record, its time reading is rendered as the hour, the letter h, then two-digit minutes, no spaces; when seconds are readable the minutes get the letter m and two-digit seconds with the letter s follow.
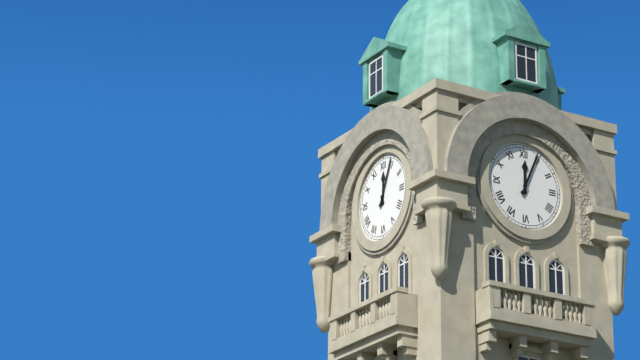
12h04
